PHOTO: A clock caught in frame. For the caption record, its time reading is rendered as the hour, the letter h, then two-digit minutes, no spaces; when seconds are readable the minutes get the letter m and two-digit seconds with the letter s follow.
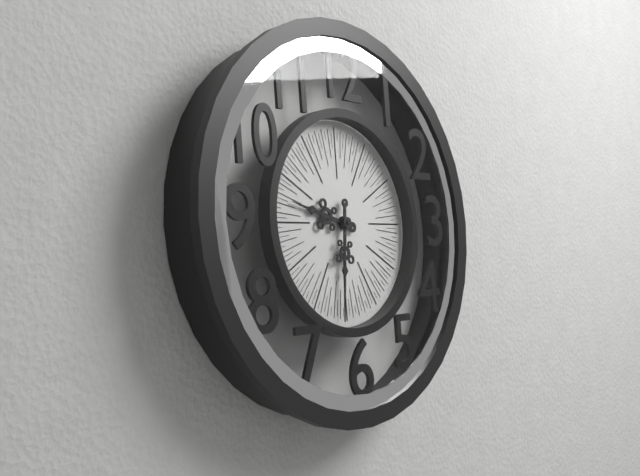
9h31
